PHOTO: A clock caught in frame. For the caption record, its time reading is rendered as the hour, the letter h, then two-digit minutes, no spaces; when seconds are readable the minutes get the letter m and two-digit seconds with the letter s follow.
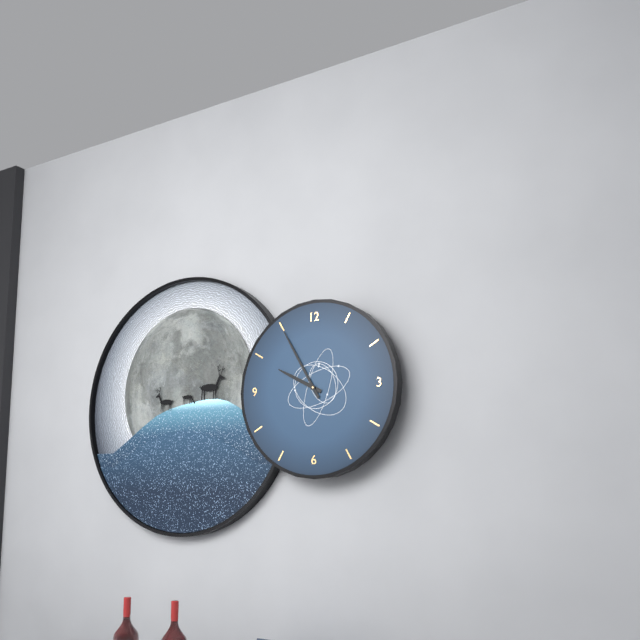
9h55
